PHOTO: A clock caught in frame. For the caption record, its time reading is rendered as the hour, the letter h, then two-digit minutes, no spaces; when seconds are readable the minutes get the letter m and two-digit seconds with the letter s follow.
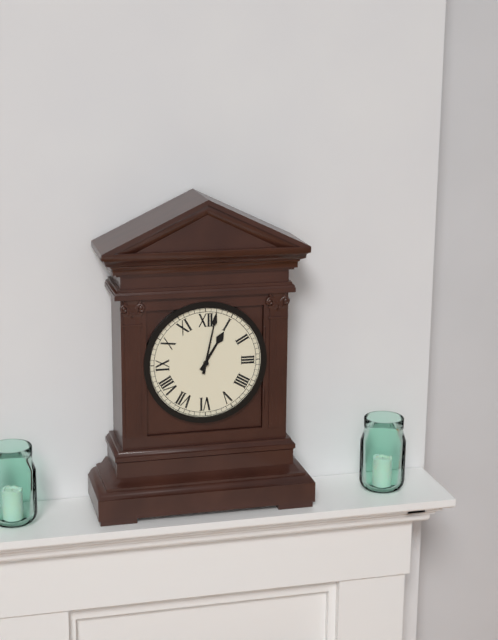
1h02
